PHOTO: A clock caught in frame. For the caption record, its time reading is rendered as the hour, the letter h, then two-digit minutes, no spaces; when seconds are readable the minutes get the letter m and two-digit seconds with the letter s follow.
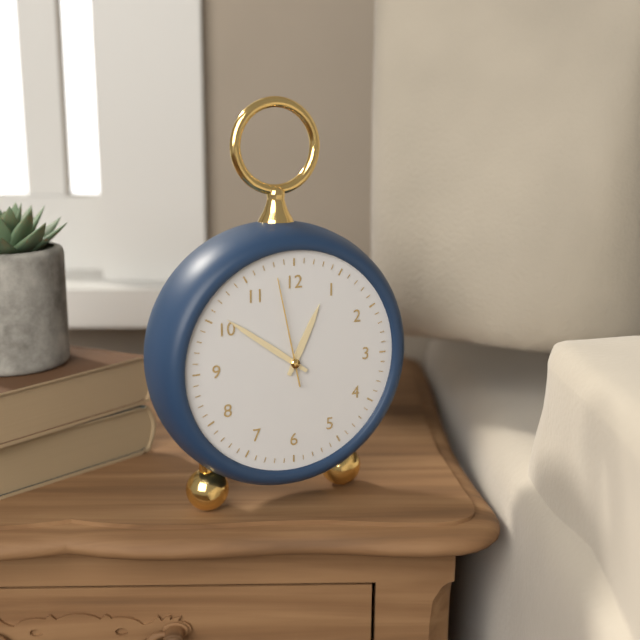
12h51m58s
